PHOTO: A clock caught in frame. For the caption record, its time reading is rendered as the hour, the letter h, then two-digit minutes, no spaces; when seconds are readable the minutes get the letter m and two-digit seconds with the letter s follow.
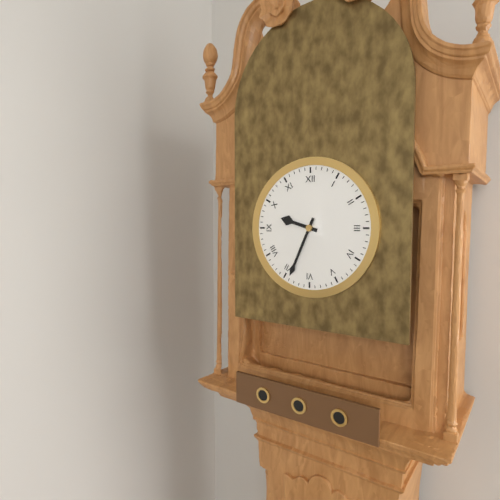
9h34
